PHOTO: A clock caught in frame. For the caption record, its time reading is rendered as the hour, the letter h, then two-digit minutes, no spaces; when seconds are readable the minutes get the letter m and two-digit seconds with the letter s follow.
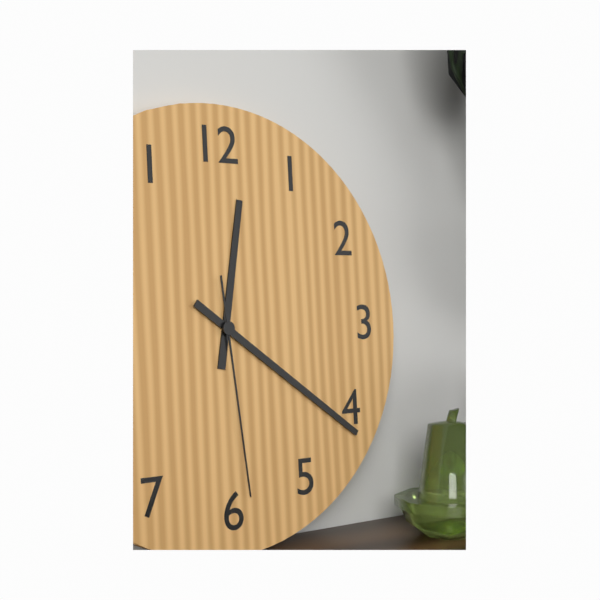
12h21m29s
